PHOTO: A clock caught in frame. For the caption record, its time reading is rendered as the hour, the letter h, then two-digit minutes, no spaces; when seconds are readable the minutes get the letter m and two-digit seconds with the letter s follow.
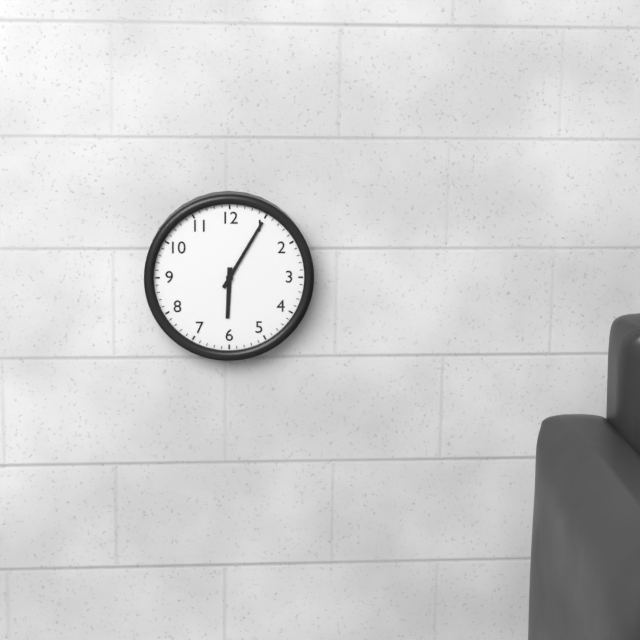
6h05
